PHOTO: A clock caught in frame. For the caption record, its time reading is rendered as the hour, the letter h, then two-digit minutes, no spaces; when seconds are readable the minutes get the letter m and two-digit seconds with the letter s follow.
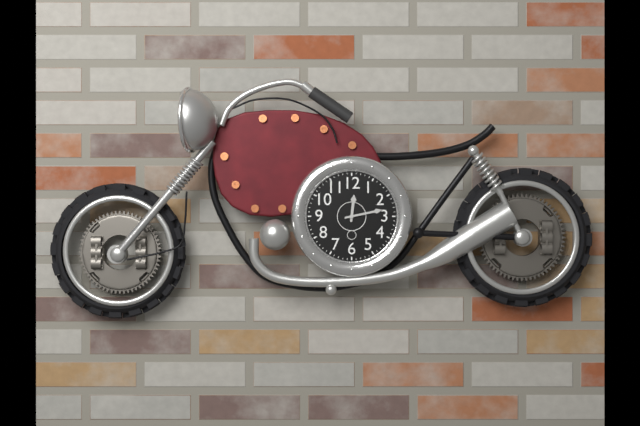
12h13
